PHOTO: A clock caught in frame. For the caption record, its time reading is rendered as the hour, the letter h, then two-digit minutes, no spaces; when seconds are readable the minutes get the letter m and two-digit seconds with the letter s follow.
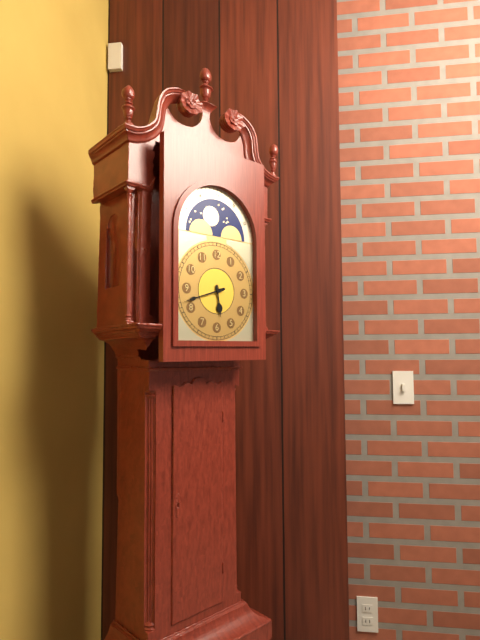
5h42
